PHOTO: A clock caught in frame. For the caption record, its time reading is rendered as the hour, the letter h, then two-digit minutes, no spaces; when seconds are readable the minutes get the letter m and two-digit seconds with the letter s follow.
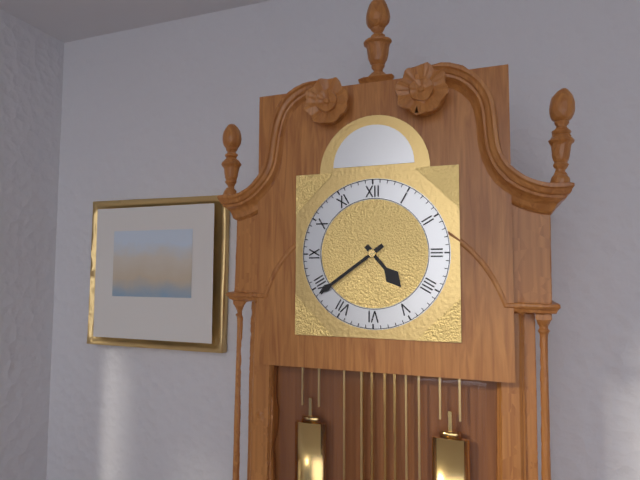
4h39
